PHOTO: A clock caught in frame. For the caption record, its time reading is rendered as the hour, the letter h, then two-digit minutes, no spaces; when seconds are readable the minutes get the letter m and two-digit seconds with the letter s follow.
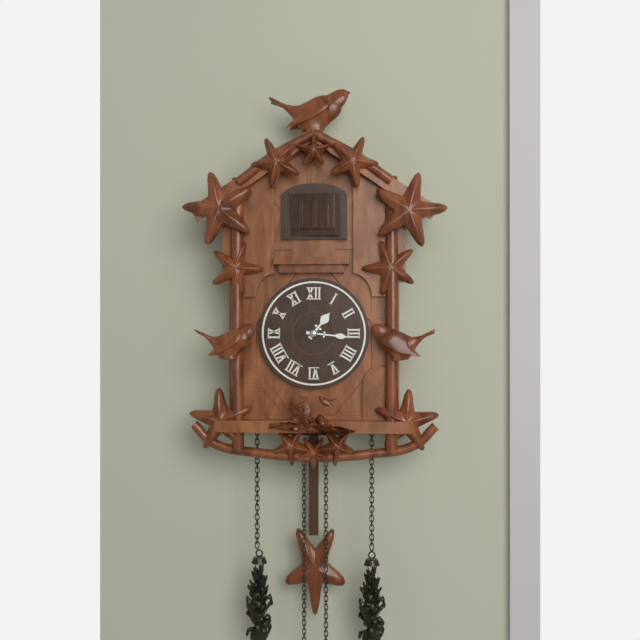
1h16
